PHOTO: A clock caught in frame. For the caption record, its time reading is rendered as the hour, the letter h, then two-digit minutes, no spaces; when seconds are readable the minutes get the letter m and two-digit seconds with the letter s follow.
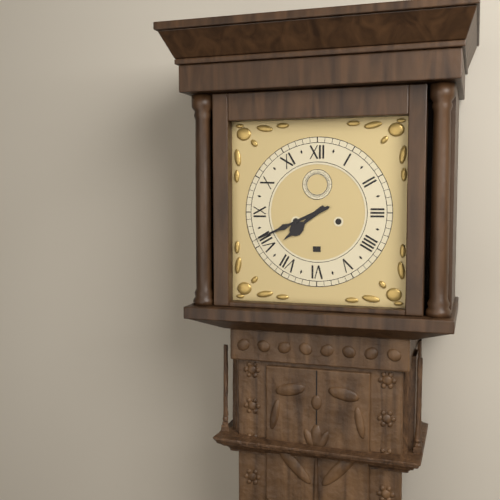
7h41
